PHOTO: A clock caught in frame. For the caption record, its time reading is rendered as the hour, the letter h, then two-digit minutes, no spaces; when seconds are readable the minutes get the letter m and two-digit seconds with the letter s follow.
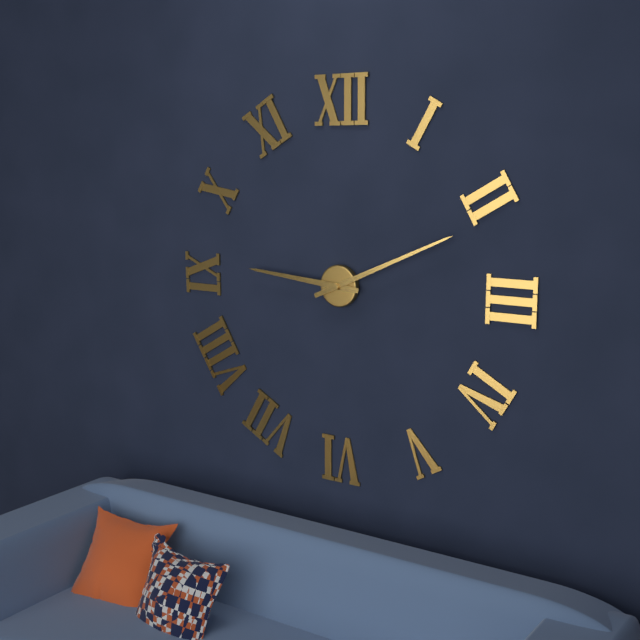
9h11
